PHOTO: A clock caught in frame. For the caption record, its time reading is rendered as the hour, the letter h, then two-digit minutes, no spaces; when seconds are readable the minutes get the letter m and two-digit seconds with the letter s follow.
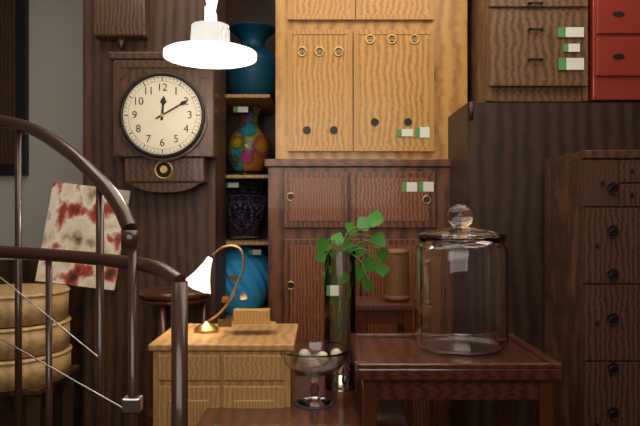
12h10
